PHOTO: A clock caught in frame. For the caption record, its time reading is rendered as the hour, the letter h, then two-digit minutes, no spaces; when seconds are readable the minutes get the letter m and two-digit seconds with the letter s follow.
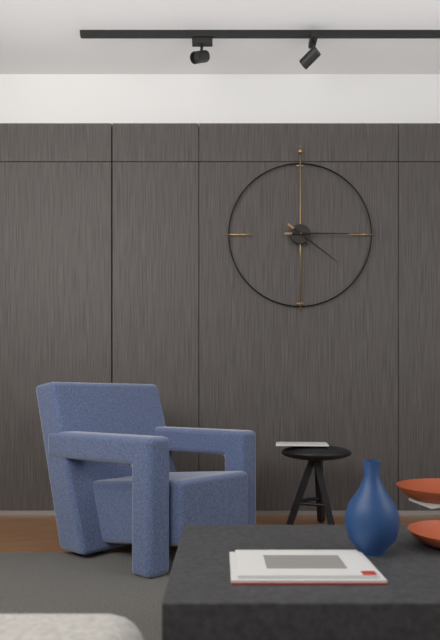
4h15
